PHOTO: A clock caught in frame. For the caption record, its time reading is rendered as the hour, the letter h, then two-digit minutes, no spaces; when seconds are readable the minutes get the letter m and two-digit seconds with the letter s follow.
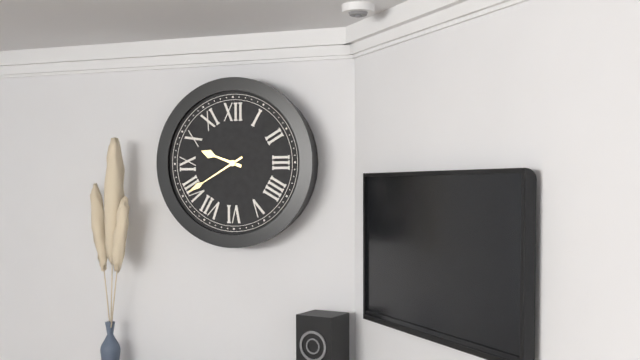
9h40
